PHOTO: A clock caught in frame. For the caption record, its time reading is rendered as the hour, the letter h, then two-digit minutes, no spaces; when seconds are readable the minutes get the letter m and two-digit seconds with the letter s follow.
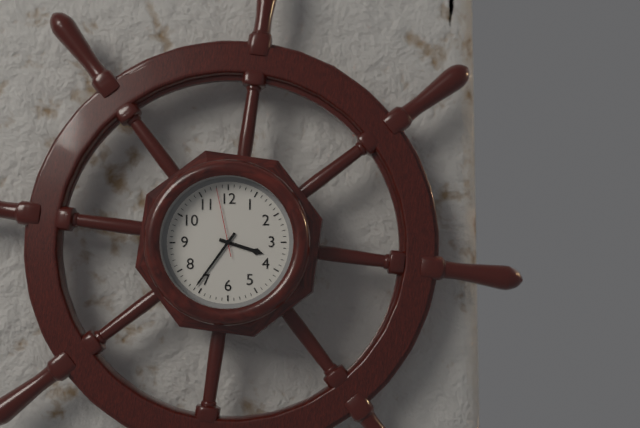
3h36m58s
